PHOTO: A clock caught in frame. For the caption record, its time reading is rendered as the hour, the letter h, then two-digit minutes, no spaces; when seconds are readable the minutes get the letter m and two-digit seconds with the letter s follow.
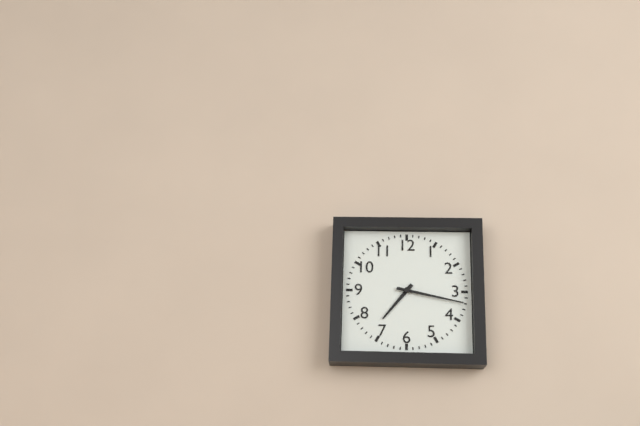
7h17
